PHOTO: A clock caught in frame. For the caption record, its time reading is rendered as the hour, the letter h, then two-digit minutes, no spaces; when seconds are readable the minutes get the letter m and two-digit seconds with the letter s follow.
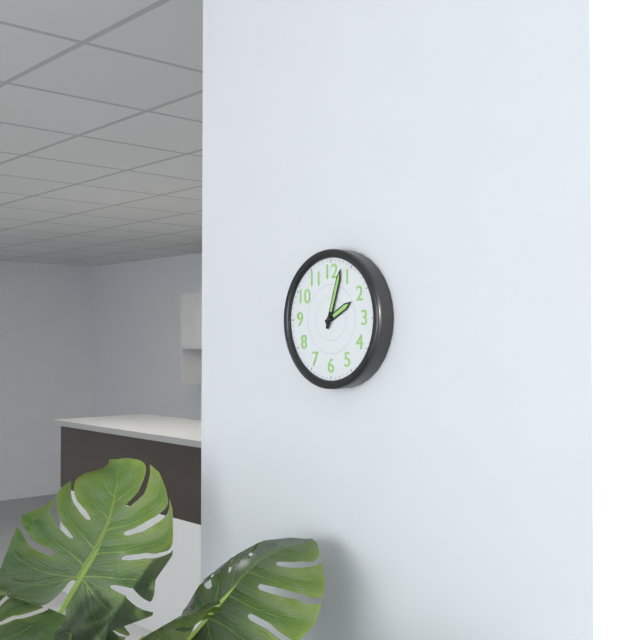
2h03
